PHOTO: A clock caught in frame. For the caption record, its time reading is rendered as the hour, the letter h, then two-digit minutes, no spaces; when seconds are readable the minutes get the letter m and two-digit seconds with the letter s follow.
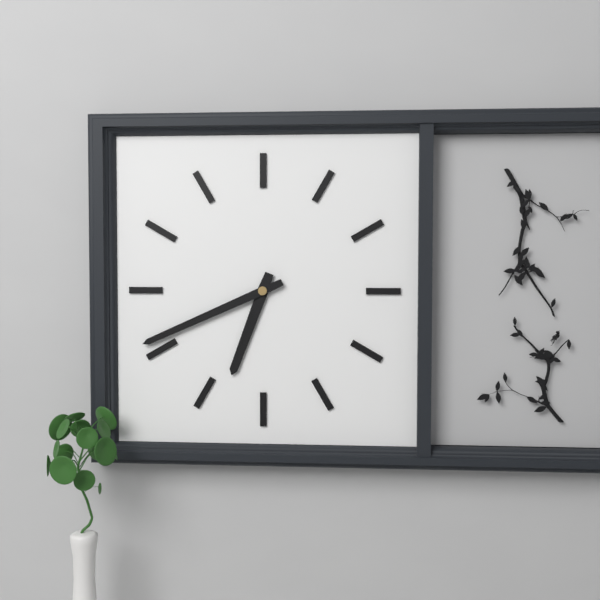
6h41
